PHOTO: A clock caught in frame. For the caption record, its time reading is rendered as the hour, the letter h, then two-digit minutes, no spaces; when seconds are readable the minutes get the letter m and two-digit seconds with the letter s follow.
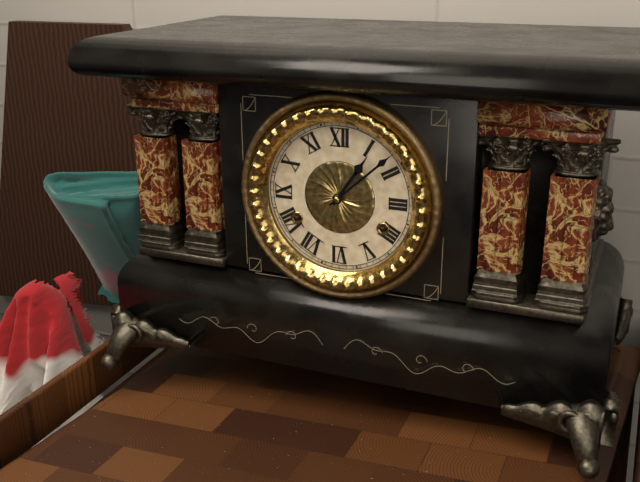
1h08
